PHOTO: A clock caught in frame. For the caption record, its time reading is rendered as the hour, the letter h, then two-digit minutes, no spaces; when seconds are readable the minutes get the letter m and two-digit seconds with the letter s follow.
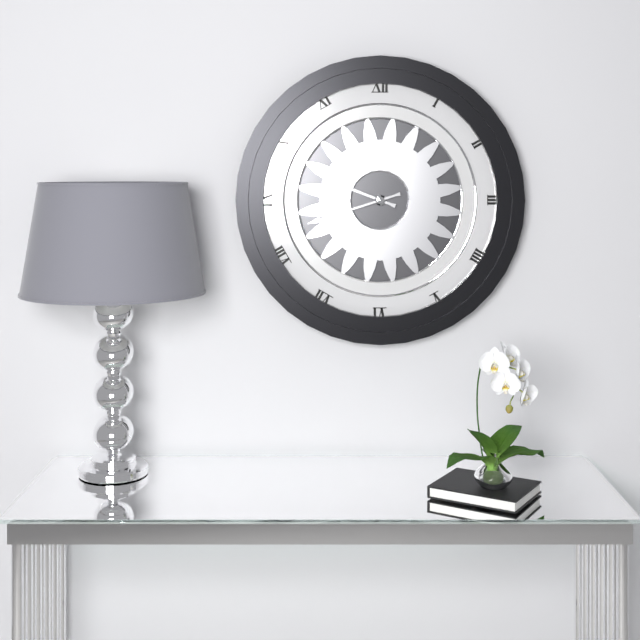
9h42
